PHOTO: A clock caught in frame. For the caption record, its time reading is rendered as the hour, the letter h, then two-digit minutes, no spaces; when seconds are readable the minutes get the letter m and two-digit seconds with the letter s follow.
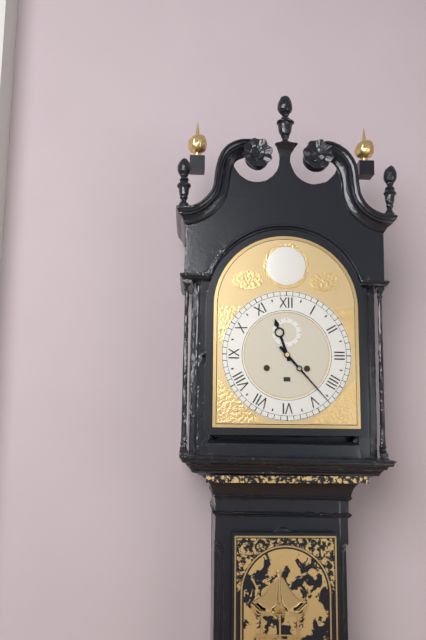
11h23
